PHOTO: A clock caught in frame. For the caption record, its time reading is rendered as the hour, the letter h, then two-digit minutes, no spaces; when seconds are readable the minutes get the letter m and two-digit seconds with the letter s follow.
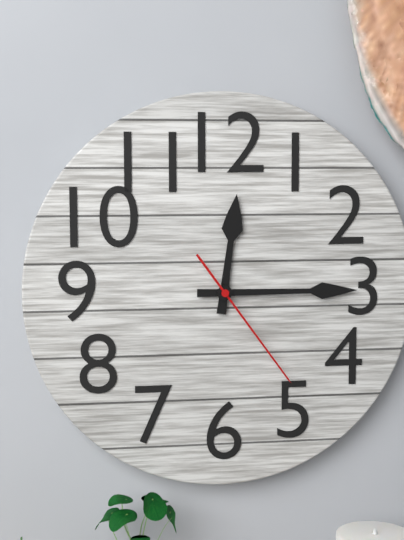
12h15m24s
